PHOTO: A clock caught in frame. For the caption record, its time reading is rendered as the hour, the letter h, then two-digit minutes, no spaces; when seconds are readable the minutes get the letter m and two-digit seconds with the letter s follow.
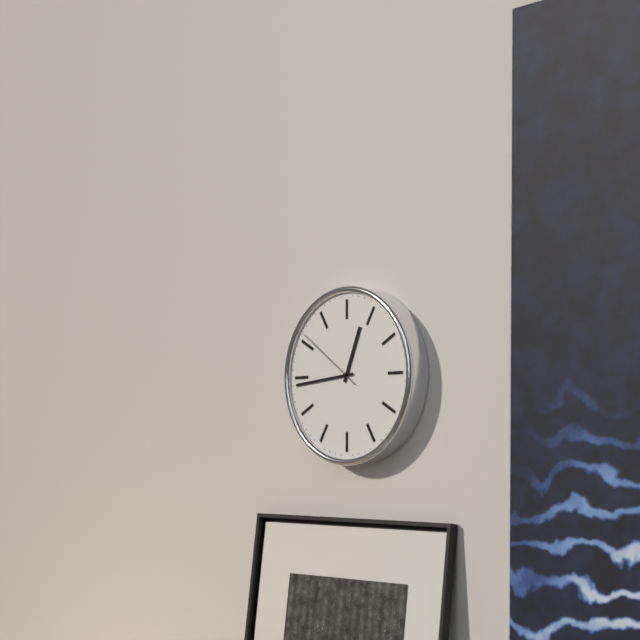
12h44m51s
